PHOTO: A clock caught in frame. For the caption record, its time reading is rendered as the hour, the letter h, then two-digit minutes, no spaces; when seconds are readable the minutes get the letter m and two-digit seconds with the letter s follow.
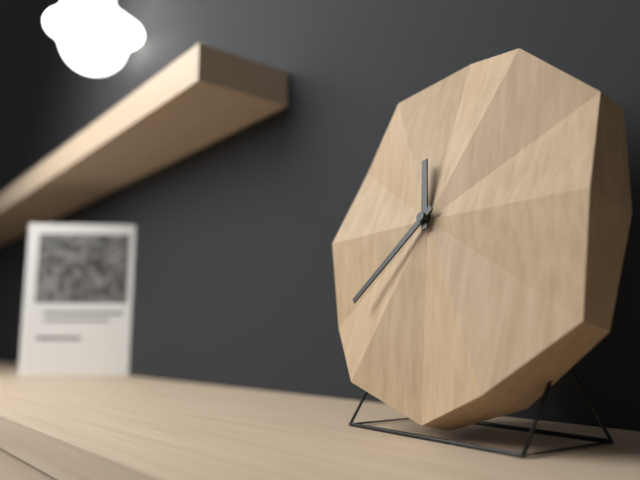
11h38
